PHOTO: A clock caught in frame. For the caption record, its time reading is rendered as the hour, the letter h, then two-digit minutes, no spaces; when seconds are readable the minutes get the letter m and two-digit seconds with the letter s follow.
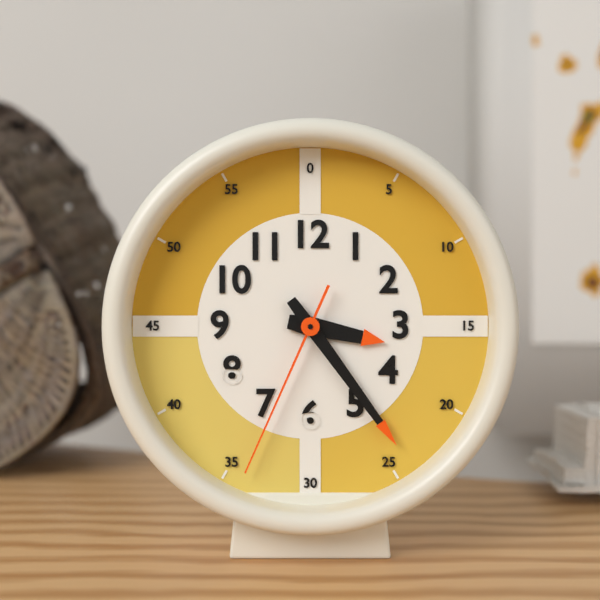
3h24m34s
